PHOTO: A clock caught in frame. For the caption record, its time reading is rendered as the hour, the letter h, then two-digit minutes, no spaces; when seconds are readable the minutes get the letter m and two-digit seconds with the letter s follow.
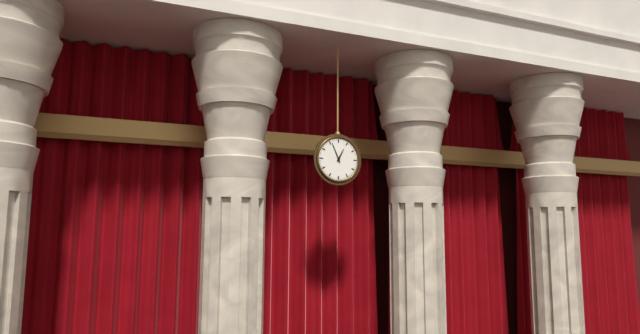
12h56
